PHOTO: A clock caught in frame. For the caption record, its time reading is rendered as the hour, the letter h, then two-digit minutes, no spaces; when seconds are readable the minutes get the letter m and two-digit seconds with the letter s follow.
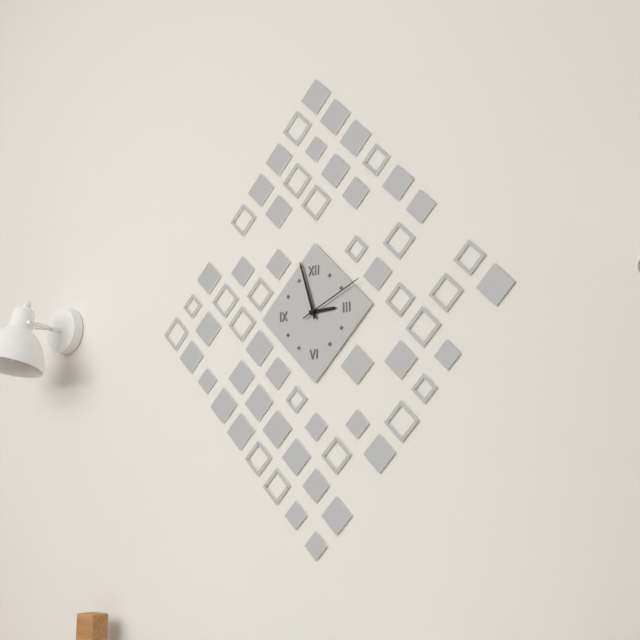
2h57m11s
